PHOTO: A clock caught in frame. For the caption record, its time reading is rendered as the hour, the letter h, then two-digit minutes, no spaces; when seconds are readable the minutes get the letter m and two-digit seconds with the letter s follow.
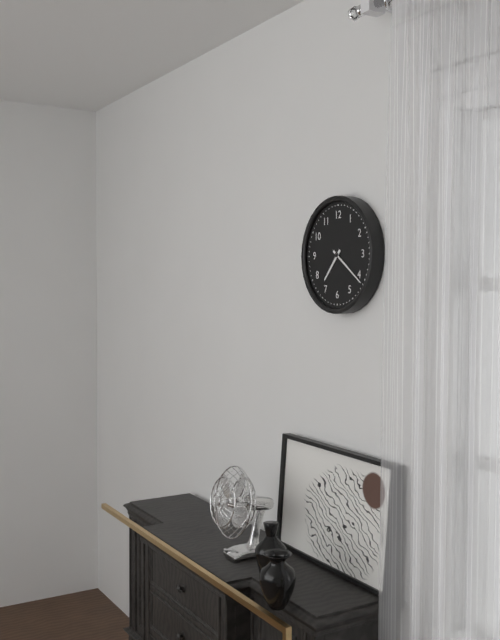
7h21
